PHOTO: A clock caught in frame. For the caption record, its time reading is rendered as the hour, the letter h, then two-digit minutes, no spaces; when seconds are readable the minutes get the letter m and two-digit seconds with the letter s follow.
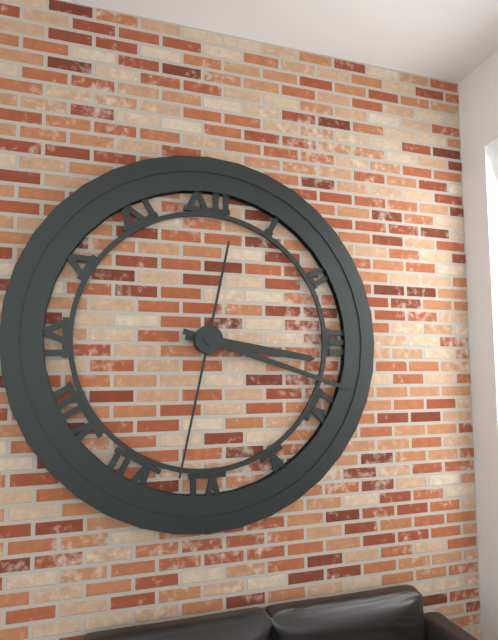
3h18m32s
